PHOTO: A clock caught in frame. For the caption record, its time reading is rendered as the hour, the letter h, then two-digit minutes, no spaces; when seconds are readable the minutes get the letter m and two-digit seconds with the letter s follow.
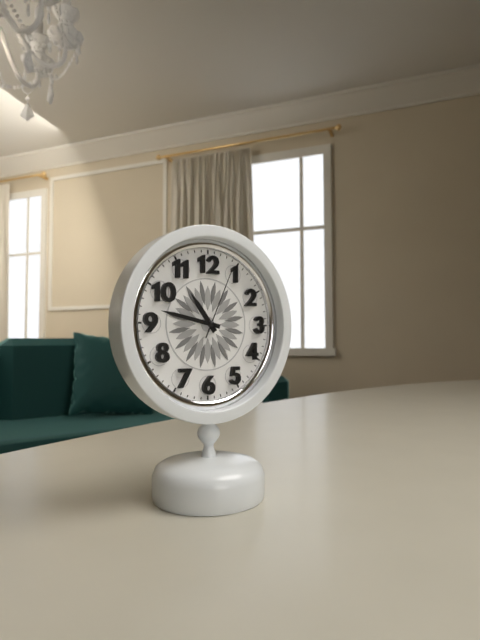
10h47m04s
